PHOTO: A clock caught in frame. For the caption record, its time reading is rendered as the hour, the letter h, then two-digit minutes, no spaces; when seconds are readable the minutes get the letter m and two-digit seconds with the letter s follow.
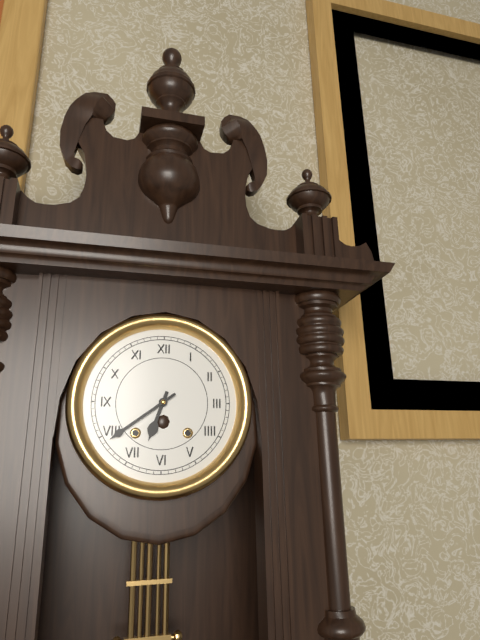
6h39
